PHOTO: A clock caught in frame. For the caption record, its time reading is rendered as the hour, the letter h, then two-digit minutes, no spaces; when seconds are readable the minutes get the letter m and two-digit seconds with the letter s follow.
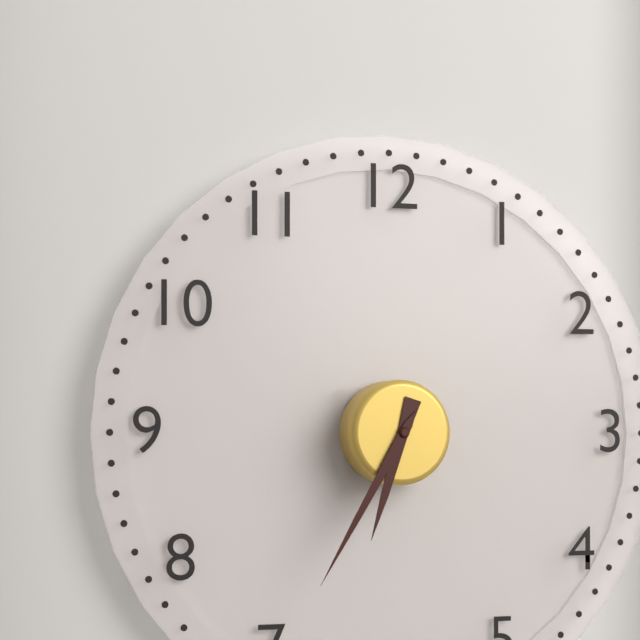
6h35
